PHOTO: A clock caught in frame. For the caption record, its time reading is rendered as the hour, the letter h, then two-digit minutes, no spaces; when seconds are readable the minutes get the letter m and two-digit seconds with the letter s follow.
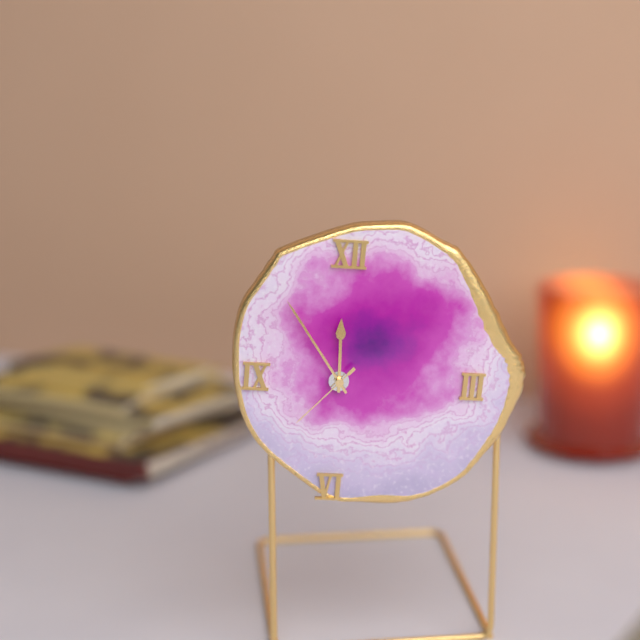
11h54m37s
